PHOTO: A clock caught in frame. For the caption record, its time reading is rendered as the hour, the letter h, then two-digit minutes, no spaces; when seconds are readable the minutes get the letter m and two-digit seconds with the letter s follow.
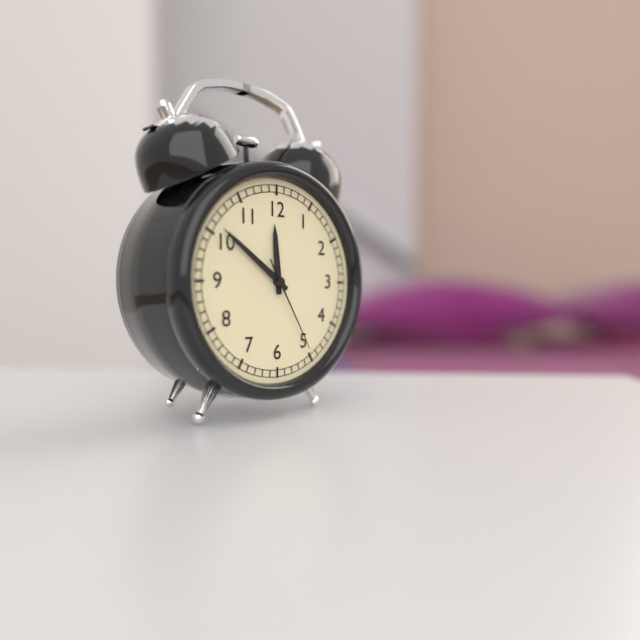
11h51m25s
